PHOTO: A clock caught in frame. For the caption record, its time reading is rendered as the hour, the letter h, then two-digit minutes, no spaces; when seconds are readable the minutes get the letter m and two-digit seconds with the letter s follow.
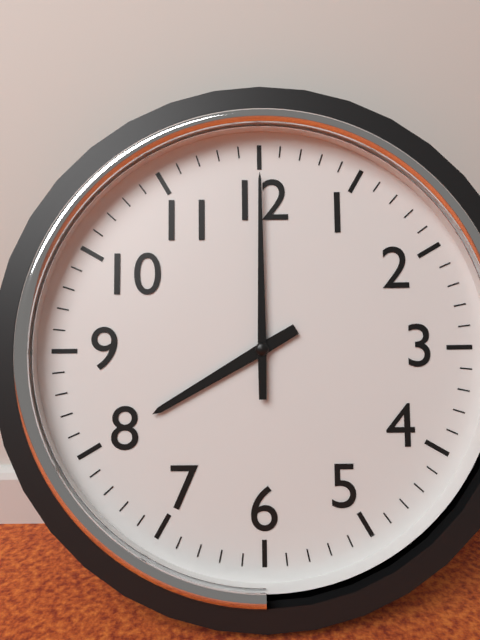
8h00
